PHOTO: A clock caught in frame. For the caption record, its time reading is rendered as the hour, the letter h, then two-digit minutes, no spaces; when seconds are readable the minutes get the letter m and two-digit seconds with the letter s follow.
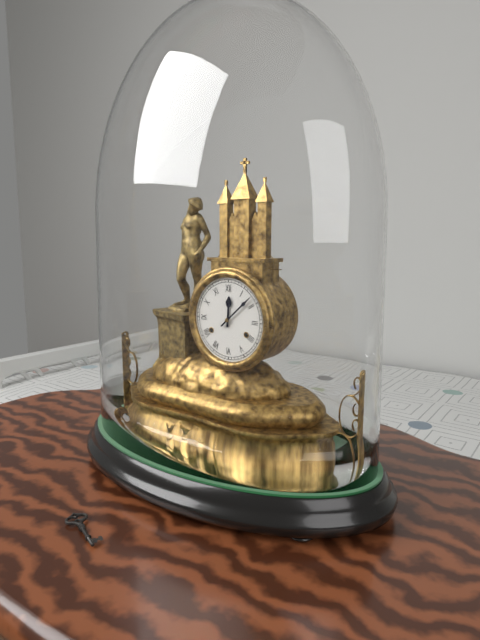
12h08
